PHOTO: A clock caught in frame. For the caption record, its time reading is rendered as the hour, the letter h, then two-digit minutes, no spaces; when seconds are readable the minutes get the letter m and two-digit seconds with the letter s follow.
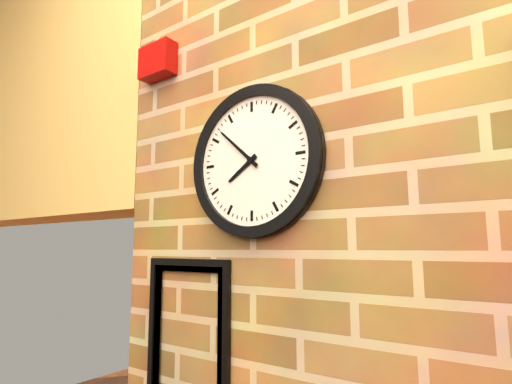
7h52
